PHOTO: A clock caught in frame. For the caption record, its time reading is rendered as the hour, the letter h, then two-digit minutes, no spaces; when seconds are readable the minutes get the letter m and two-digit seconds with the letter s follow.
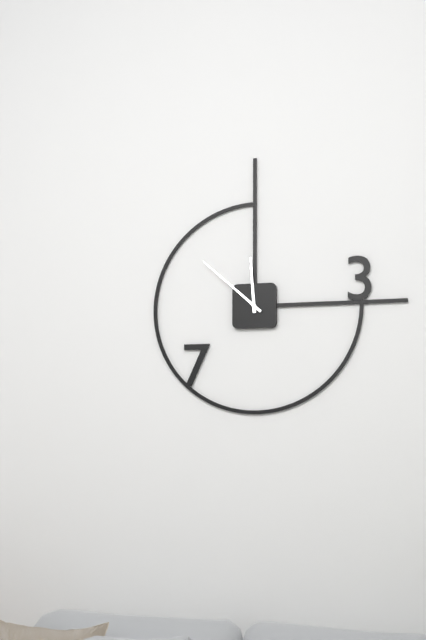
11h52
